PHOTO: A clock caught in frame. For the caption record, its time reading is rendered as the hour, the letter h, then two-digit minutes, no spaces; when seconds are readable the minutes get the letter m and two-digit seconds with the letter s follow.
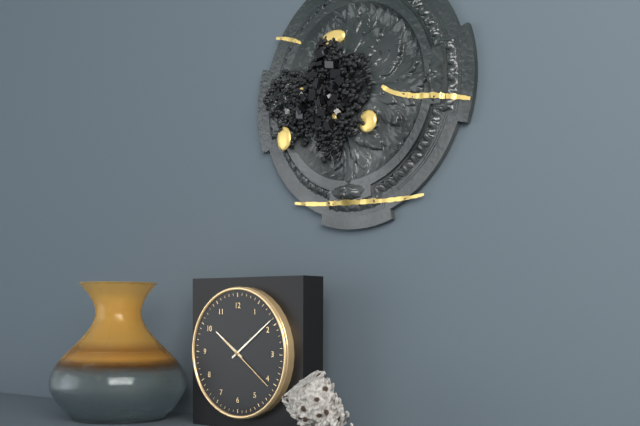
10h09m21s
